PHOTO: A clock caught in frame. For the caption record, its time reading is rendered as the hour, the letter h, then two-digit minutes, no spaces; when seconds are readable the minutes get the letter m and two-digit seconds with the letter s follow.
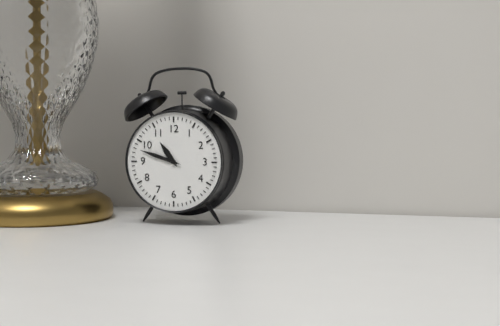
10h48
